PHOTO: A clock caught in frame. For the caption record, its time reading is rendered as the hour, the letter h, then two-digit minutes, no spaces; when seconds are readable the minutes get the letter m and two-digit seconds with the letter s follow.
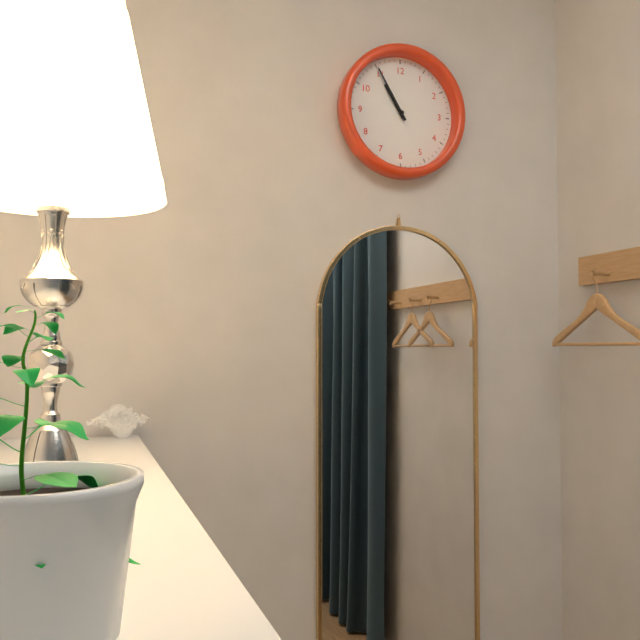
10h55
